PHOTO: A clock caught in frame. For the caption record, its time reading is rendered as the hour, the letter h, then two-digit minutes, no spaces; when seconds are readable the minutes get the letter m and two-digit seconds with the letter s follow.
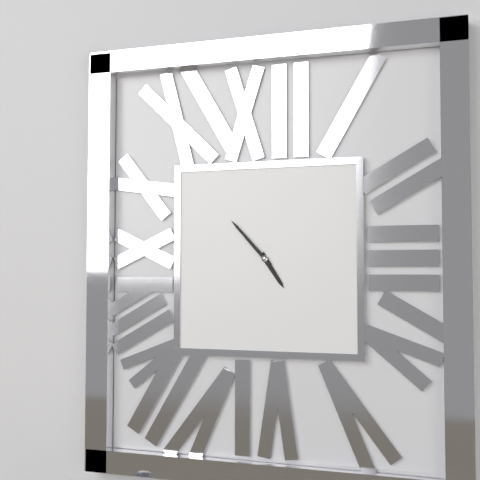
4h53
